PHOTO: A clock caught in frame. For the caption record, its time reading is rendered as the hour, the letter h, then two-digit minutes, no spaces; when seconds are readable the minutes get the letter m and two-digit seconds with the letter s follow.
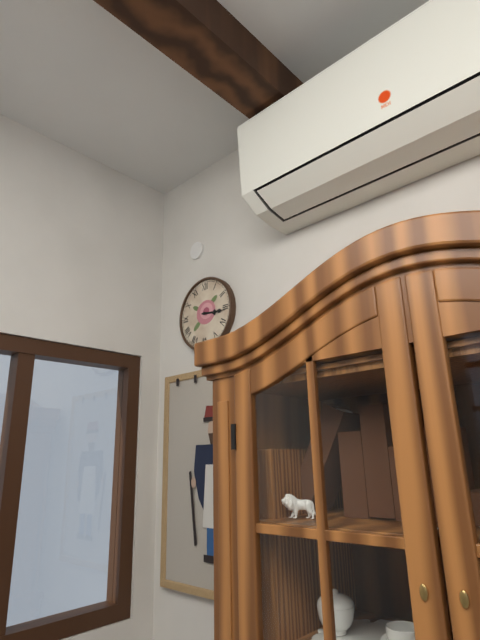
3h16
